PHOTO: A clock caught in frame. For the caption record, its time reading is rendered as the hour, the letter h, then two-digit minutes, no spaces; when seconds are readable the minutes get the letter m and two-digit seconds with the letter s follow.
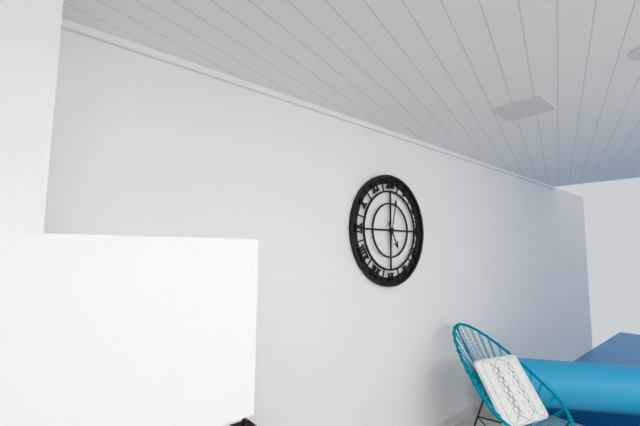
5h02
